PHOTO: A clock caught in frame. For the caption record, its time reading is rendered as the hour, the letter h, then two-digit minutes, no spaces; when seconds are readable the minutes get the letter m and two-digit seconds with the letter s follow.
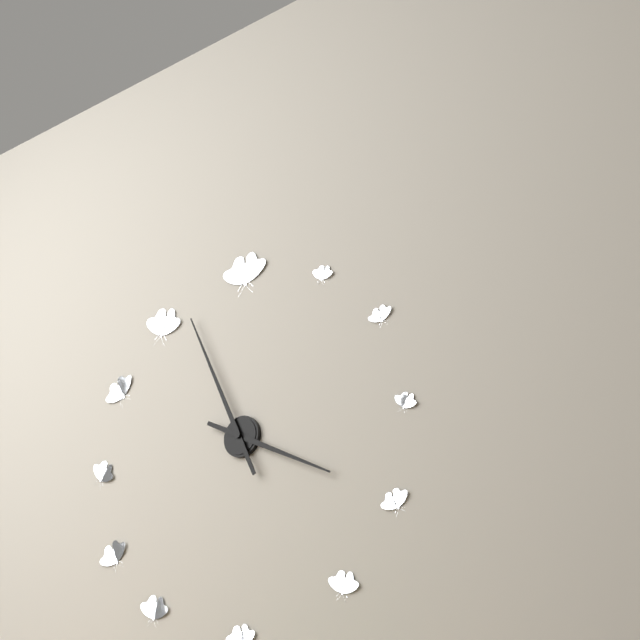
3h56
